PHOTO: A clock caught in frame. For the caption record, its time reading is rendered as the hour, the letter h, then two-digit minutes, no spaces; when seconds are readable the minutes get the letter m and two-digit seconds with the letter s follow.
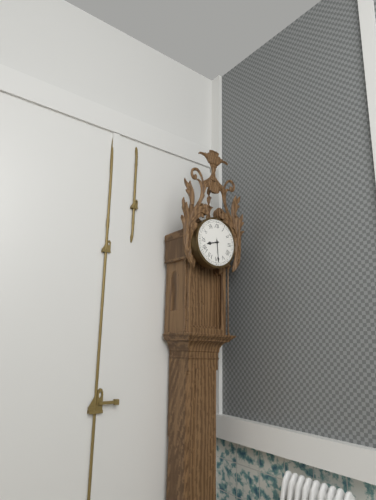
8h29
